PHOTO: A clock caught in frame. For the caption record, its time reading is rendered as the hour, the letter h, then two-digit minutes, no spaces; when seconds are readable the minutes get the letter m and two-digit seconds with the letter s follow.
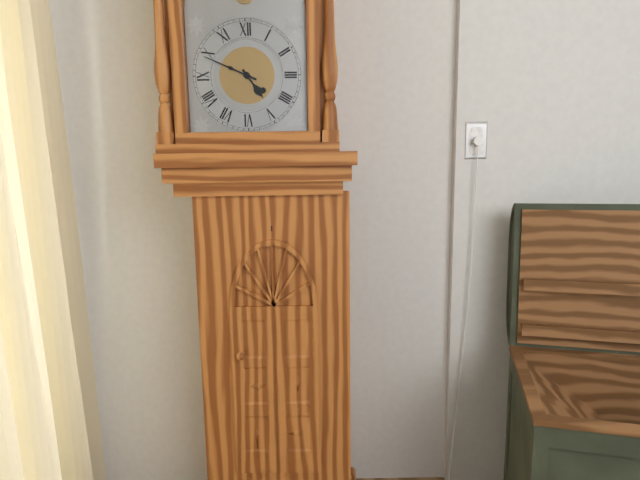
4h49
